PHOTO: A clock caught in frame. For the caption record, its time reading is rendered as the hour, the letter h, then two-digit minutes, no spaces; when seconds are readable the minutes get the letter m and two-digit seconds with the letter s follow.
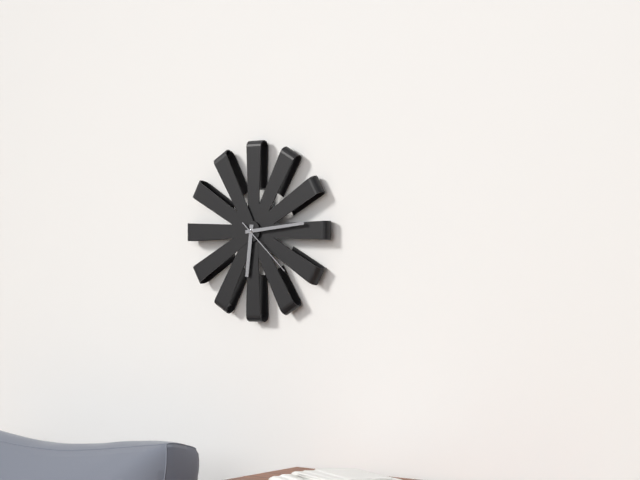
6h14m22s
